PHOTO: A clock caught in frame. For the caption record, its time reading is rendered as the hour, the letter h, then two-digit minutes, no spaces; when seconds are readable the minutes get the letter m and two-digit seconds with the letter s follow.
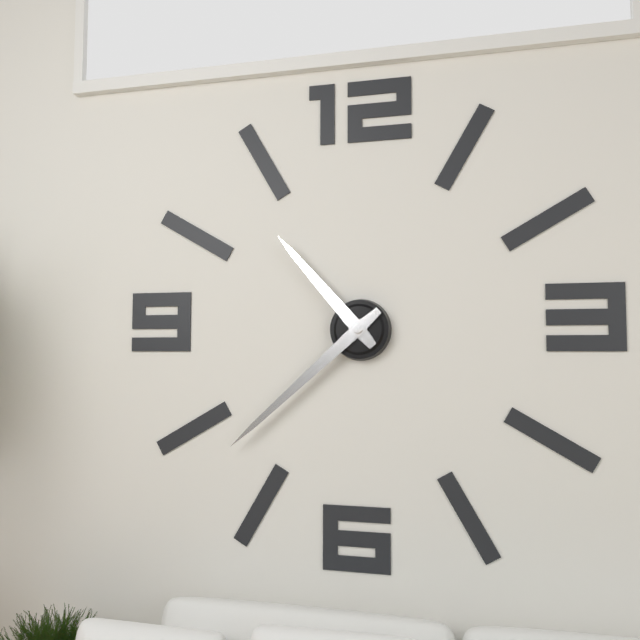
10h38
